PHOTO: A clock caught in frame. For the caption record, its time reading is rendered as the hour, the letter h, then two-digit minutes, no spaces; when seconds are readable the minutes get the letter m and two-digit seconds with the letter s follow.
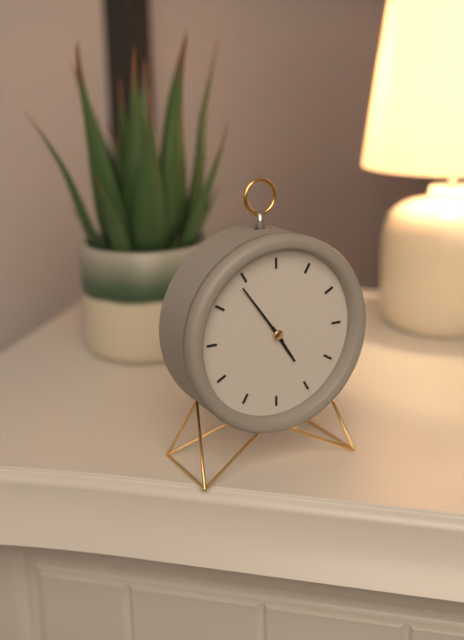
4h54
